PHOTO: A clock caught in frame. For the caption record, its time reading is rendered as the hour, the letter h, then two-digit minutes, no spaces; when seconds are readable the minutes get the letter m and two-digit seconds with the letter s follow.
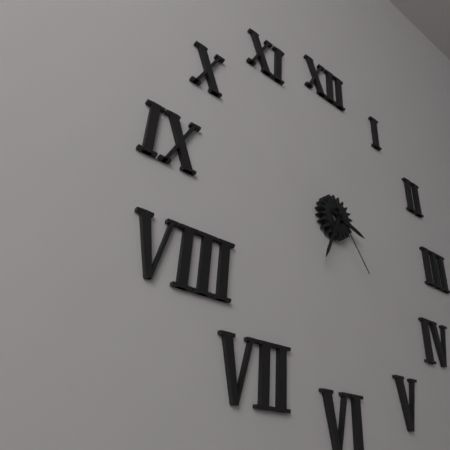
3h34m24s
